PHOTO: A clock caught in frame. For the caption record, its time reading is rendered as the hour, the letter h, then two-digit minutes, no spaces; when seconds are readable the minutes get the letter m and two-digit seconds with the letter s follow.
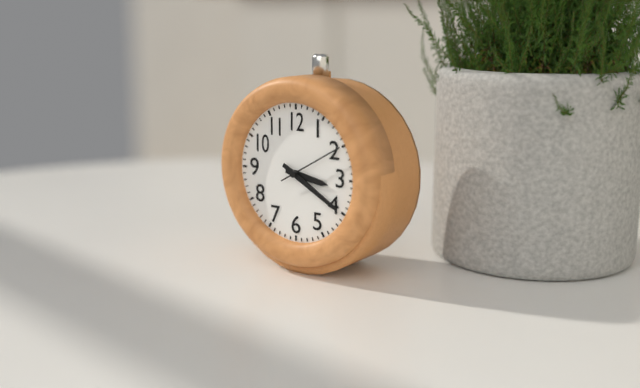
3h20m10s
